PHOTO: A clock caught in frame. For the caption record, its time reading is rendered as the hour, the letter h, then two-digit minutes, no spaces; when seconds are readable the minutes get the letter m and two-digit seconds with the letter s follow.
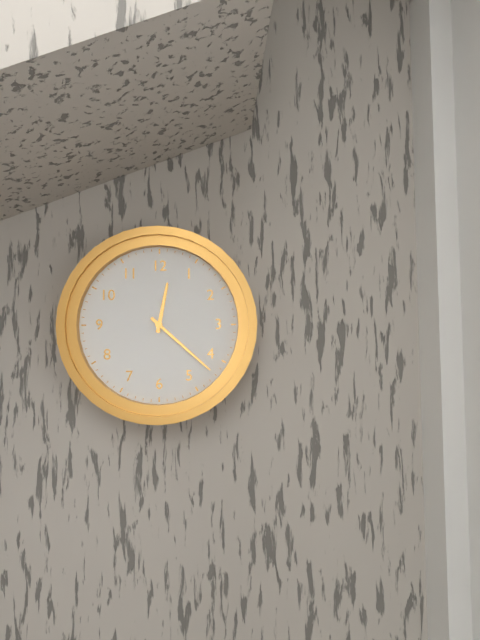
12h22
